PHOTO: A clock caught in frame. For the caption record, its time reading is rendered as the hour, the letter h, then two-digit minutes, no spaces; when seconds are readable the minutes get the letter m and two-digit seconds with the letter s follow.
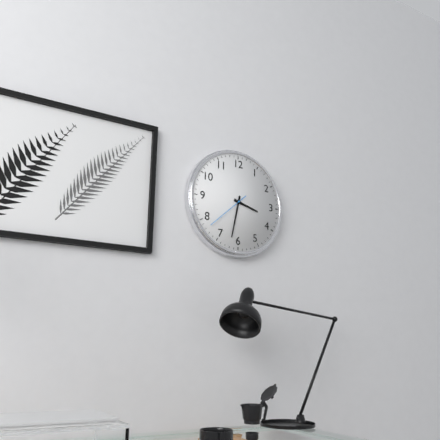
3h32
